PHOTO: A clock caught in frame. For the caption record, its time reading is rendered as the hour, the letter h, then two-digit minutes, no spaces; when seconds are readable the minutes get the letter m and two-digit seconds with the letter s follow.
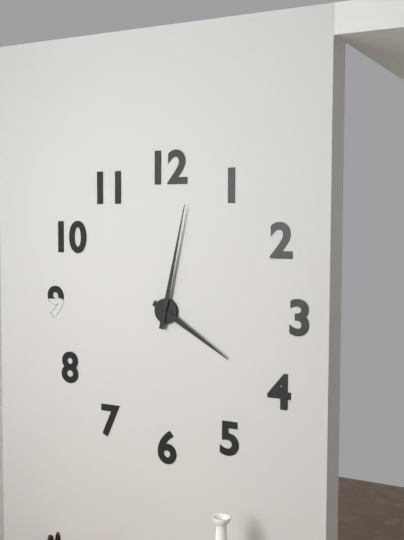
4h02
